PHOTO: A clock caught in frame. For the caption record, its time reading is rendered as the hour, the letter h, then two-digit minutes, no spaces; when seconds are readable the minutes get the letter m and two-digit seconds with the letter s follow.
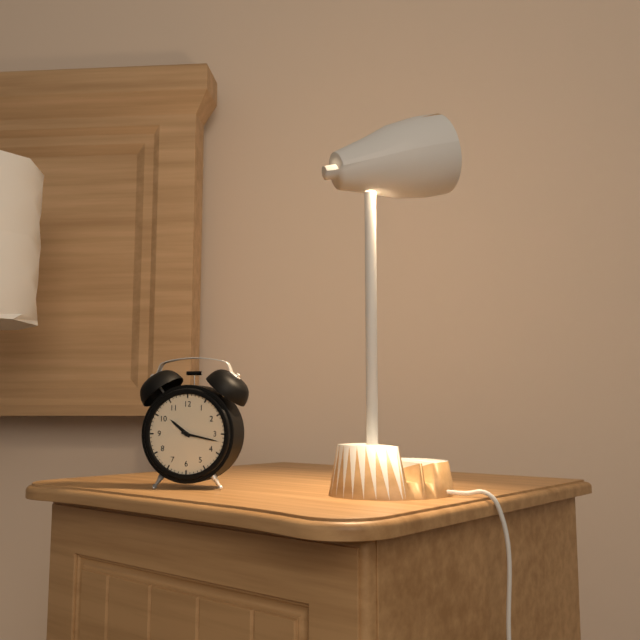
10h17
